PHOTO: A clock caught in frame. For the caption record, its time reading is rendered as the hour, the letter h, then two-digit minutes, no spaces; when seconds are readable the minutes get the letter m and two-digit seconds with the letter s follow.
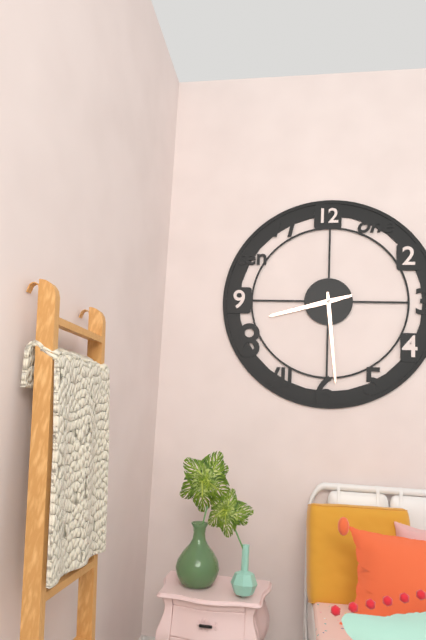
8h29
